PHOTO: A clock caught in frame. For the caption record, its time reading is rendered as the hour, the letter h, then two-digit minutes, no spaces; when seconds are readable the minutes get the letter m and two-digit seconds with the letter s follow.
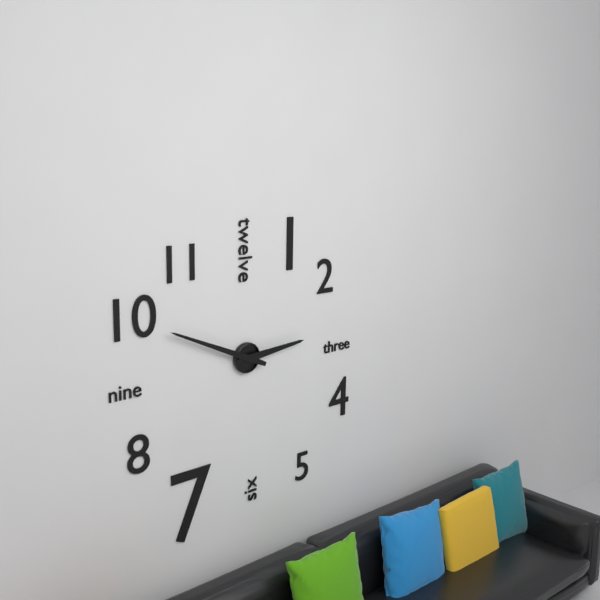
2h49
